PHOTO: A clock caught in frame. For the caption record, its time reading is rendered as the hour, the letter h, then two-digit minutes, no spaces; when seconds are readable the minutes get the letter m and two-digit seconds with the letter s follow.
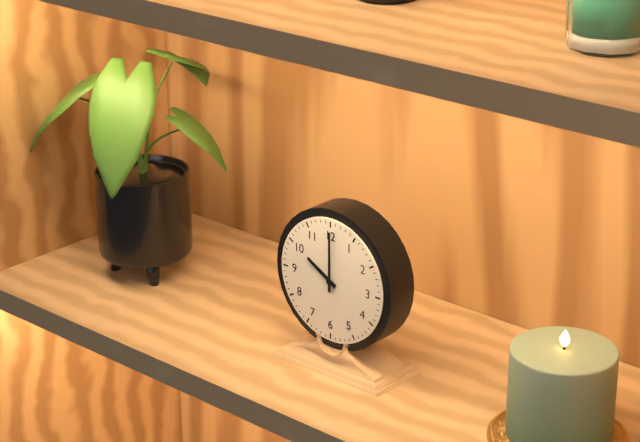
10h00
